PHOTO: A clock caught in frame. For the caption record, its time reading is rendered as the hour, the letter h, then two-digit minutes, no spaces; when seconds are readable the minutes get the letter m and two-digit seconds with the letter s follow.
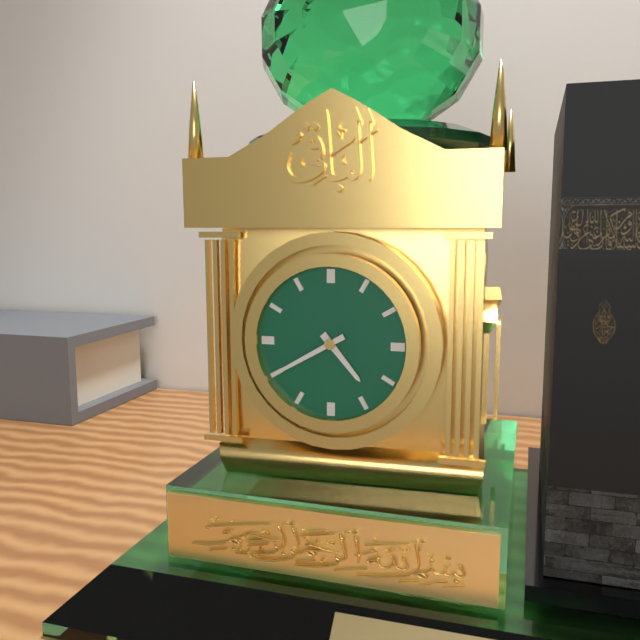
4h40
